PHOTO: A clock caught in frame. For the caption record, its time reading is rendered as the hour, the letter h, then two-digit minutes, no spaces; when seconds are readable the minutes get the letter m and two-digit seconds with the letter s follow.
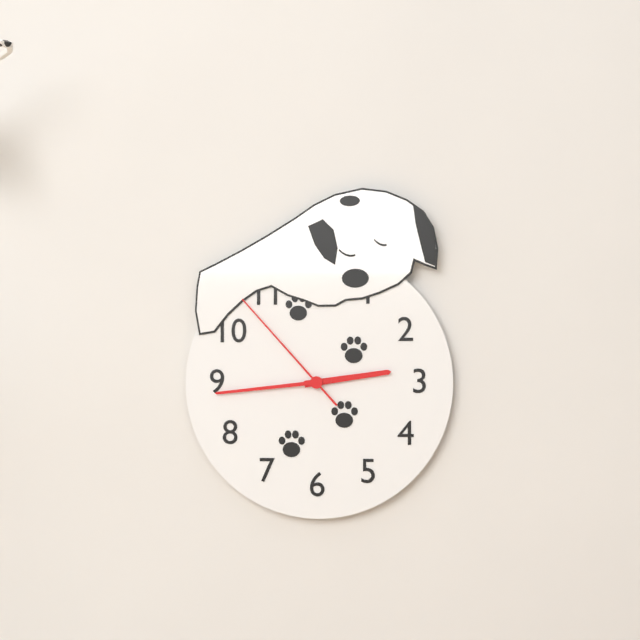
2h44m53s
